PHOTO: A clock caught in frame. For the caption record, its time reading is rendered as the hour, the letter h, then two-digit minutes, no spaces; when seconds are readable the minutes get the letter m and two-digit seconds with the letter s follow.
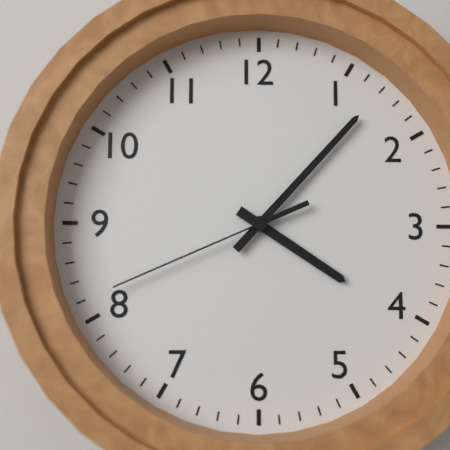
4h07m41s
